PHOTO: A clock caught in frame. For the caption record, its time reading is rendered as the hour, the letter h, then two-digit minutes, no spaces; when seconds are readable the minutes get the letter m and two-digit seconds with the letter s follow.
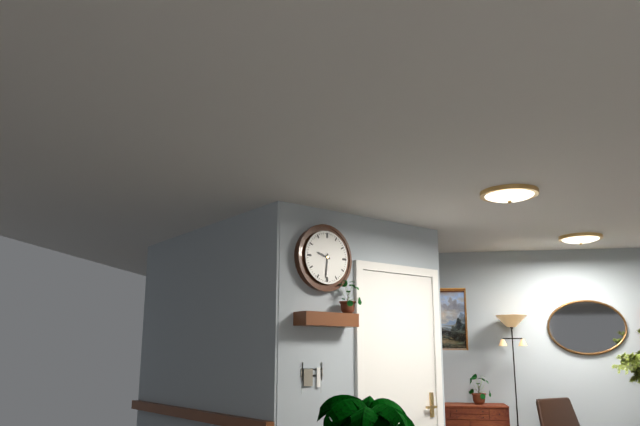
9h31
